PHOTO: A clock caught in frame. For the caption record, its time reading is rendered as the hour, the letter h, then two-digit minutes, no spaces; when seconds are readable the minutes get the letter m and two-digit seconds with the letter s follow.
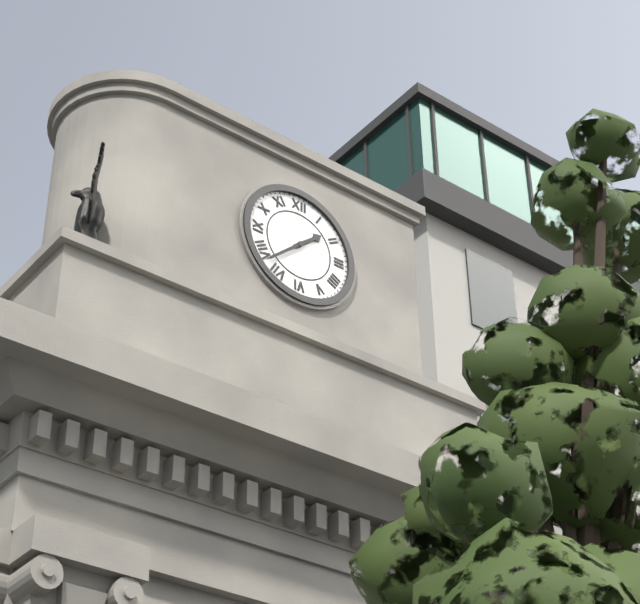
1h38
